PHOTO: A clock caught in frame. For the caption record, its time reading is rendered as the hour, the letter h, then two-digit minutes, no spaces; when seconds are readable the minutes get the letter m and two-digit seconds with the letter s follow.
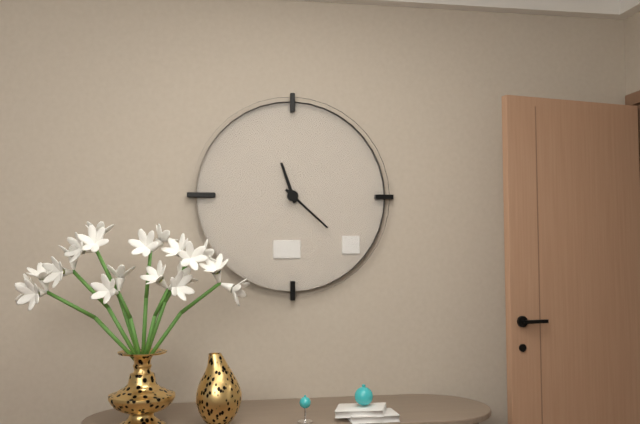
11h22
